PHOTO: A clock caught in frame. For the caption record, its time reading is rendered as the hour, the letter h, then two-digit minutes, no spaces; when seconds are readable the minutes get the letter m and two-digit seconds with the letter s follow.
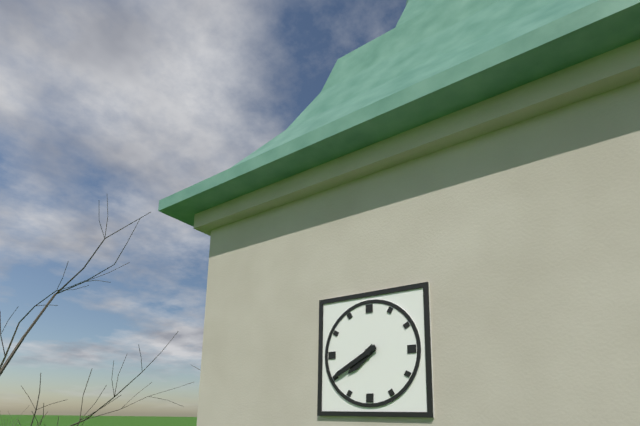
7h40
